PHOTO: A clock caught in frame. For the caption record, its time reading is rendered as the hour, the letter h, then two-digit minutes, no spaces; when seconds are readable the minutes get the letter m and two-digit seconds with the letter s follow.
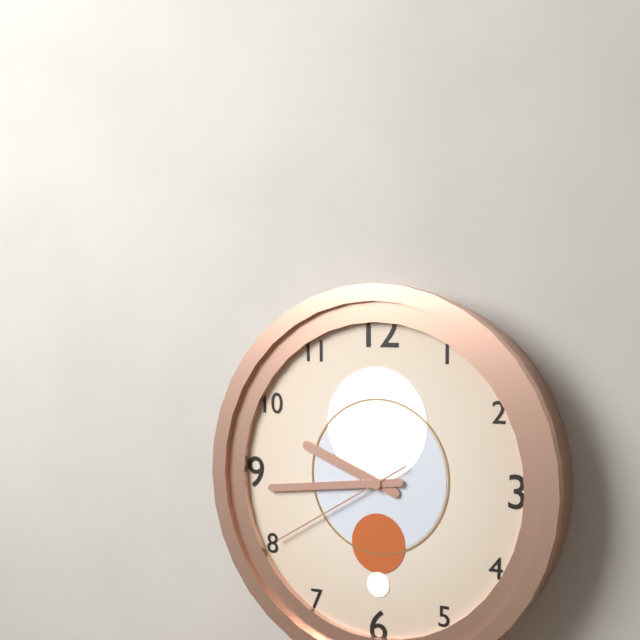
9h44m40s
